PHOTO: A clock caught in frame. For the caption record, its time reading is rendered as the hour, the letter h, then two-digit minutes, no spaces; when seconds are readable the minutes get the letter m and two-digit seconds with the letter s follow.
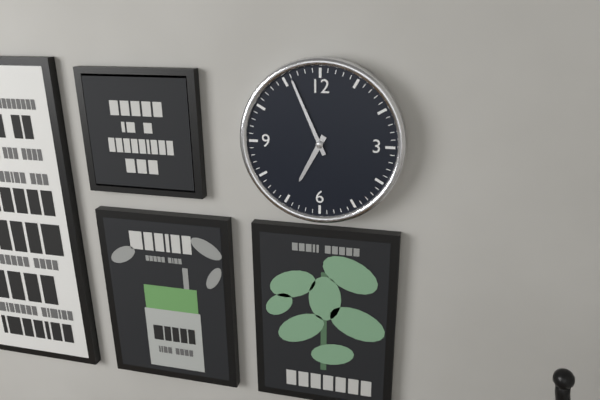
6h56
